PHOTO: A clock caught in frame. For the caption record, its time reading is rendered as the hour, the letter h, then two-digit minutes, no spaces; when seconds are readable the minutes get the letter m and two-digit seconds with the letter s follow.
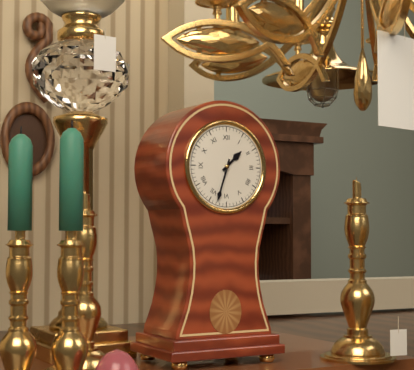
1h33
